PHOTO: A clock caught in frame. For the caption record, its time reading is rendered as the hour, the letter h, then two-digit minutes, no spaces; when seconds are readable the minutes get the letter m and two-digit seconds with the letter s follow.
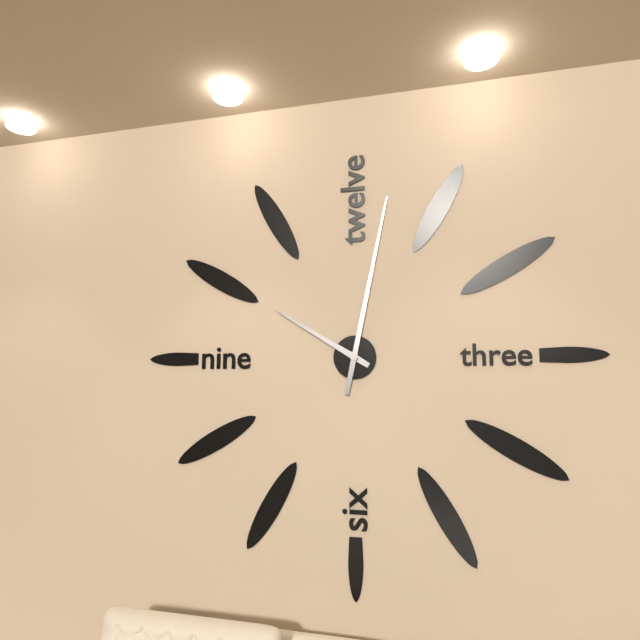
10h02
